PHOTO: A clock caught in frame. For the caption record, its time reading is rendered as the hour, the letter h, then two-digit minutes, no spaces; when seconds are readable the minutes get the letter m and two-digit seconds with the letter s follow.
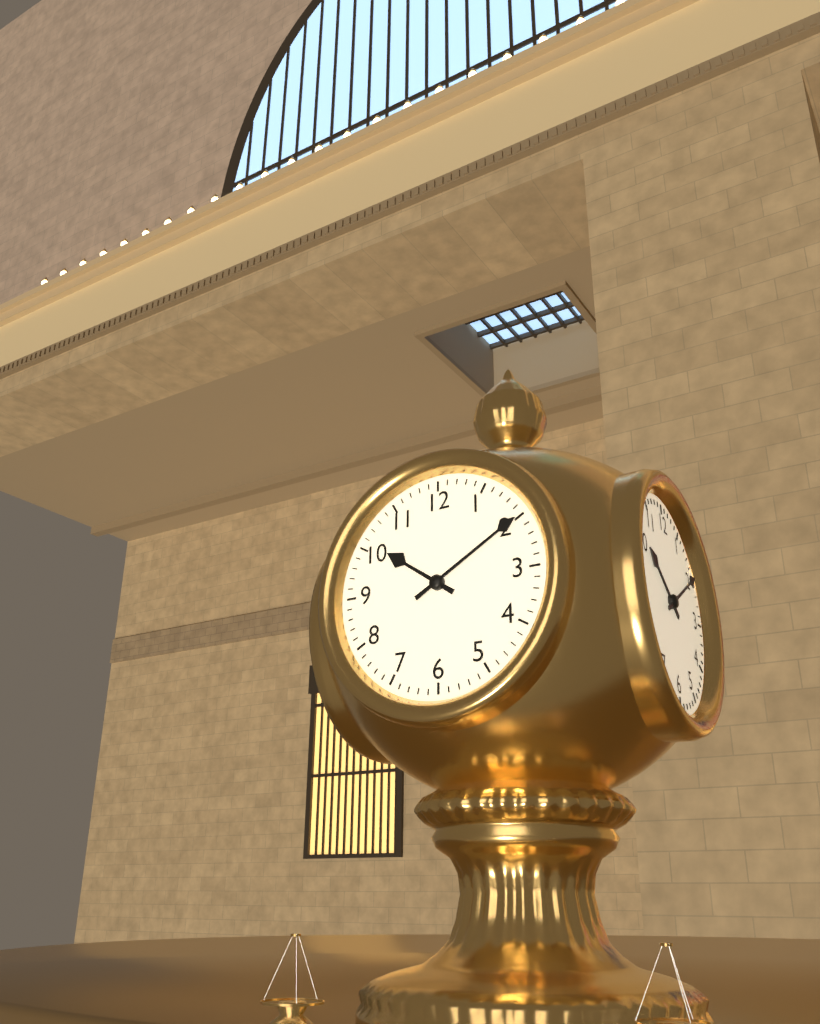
10h10
